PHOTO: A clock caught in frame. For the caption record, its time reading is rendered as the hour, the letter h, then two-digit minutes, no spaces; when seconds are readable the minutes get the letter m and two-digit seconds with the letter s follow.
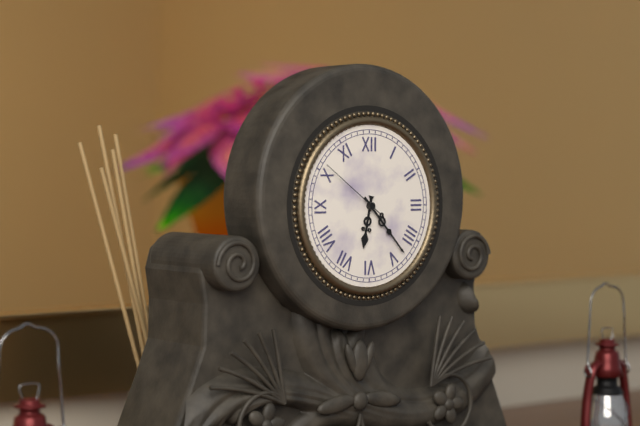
6h23m51s
